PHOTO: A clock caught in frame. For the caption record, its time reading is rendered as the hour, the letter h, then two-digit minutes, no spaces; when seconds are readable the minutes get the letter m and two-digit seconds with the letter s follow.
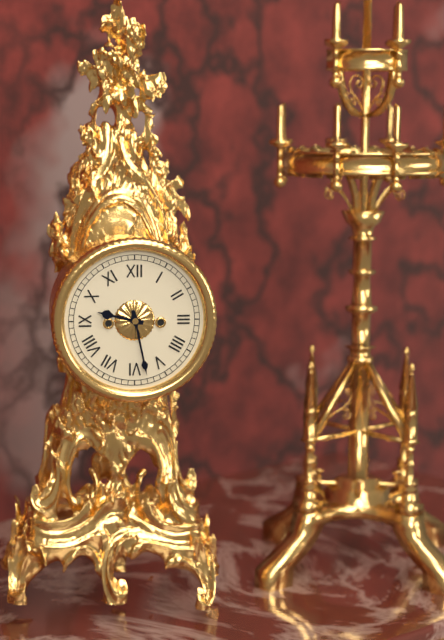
9h28
